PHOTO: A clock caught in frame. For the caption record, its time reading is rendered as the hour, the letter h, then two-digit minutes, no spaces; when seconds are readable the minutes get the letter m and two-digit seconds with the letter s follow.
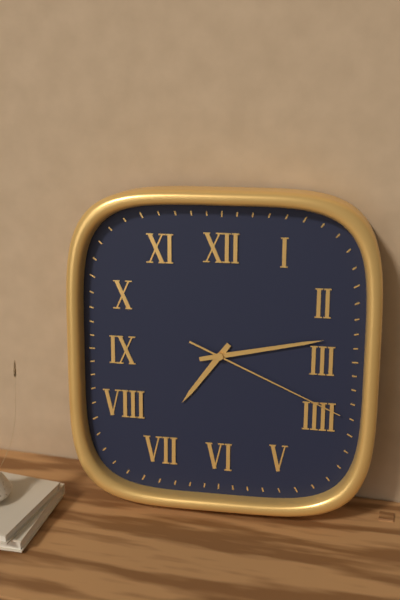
7h13m19s
